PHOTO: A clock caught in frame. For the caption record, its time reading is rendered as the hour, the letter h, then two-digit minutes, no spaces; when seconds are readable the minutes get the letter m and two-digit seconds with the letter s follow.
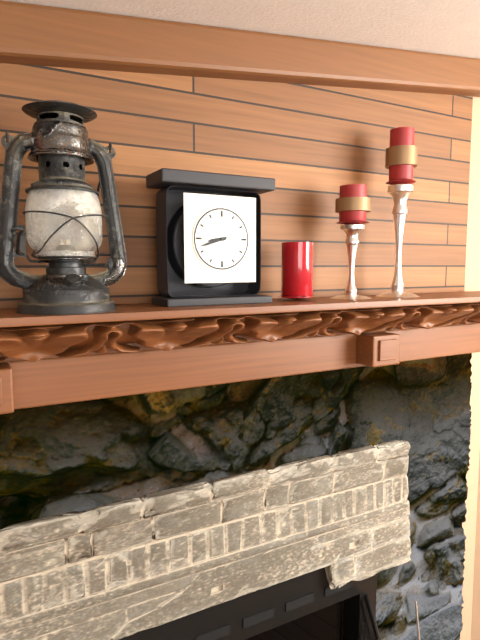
8h42
